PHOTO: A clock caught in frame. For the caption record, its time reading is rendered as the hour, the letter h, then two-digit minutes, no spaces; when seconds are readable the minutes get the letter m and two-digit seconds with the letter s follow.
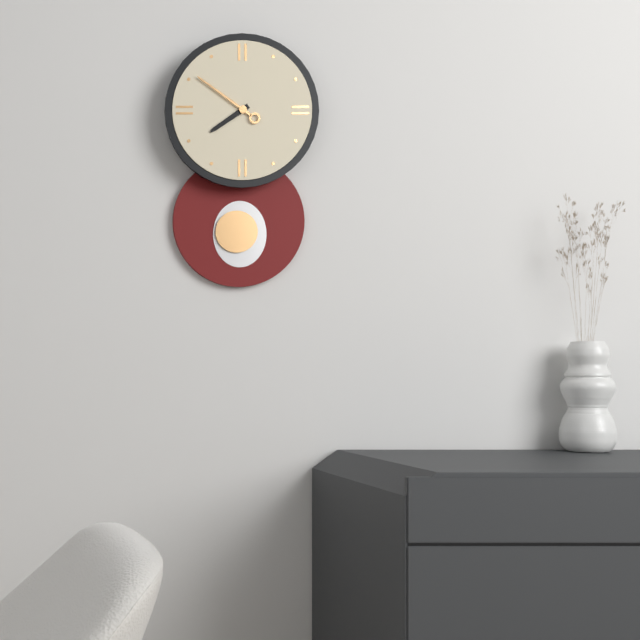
7h51
